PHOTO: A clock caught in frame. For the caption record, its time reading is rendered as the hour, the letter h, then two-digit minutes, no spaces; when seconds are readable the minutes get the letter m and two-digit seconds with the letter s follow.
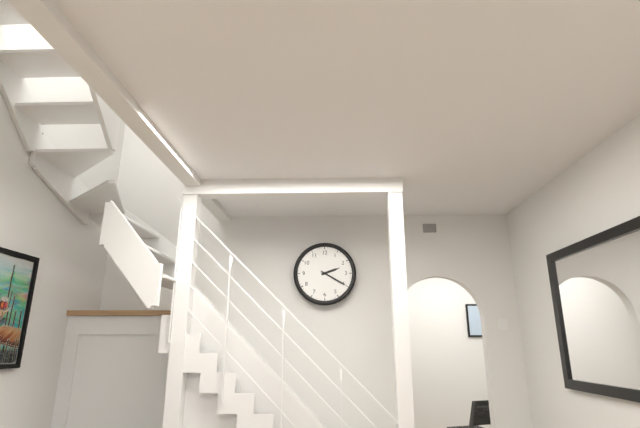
2h20
